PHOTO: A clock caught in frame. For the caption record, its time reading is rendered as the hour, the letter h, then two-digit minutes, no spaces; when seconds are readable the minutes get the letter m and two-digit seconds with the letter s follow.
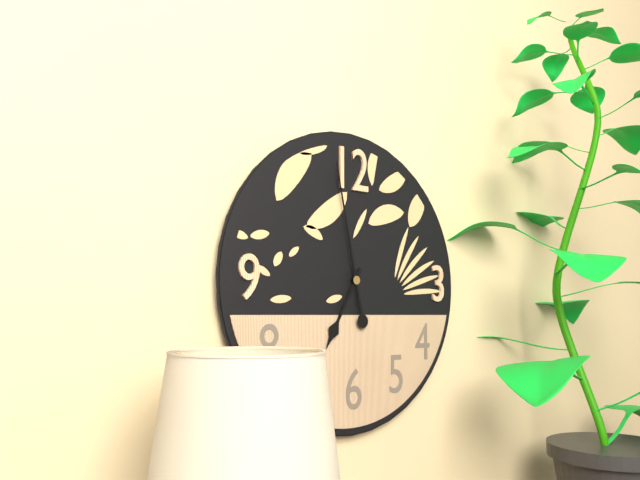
6h58
